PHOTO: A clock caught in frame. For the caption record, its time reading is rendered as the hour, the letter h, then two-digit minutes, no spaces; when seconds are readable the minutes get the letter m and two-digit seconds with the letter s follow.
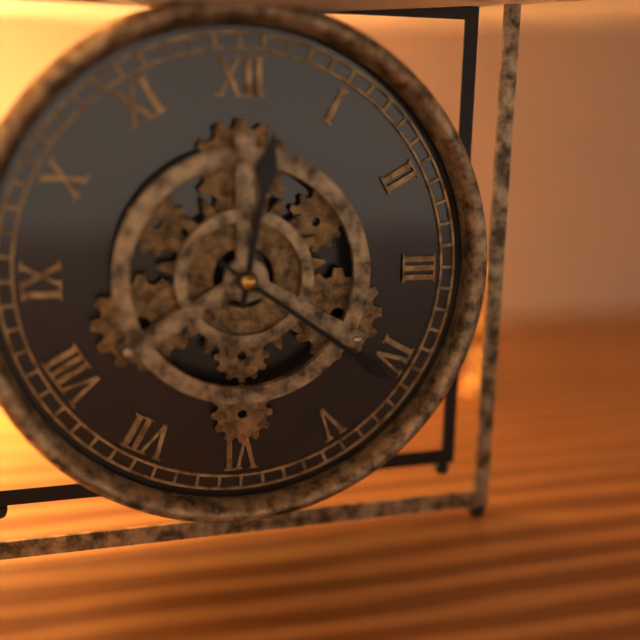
12h21
